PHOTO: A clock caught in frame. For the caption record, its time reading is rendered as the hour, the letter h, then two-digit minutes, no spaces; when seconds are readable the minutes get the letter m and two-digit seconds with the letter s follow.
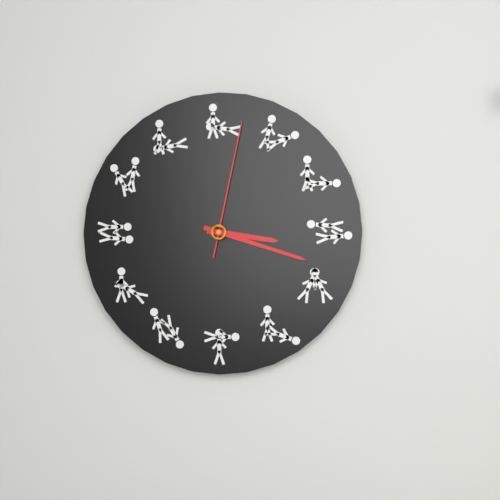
3h18m02s
